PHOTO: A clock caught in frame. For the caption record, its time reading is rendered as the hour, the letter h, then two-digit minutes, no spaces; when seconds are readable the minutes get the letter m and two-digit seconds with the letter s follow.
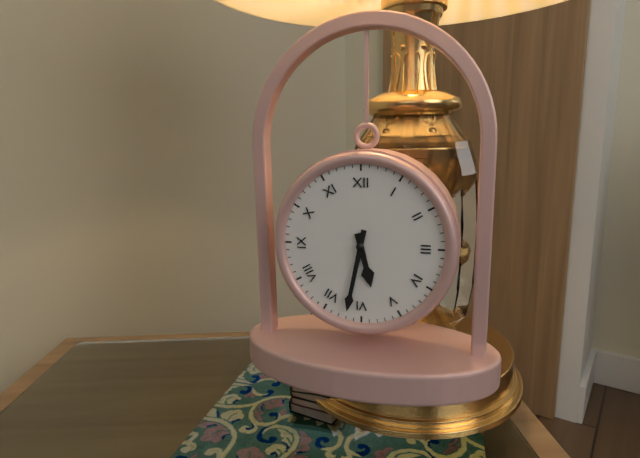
5h32
